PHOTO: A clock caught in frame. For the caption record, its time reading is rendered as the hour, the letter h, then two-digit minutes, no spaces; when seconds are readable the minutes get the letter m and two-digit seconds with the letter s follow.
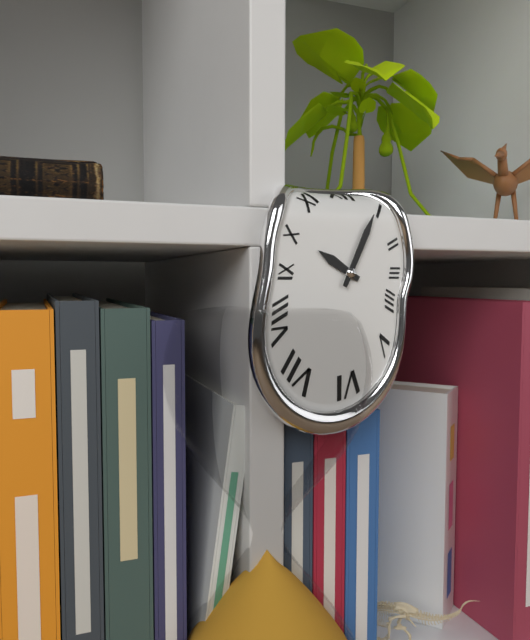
10h04
